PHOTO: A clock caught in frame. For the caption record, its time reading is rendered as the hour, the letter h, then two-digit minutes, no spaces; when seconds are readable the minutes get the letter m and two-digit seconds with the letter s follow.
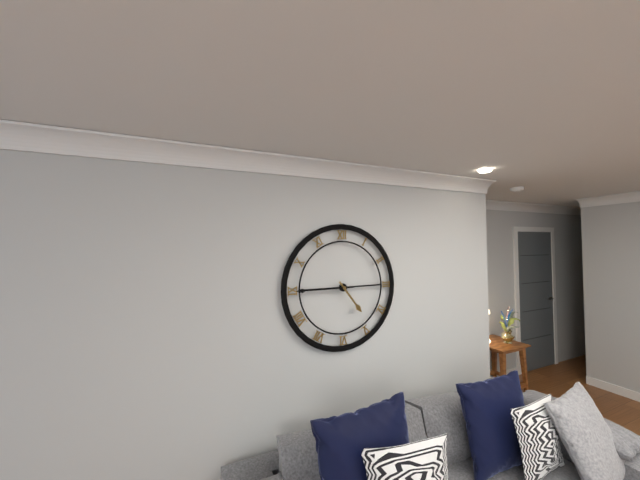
4h45
